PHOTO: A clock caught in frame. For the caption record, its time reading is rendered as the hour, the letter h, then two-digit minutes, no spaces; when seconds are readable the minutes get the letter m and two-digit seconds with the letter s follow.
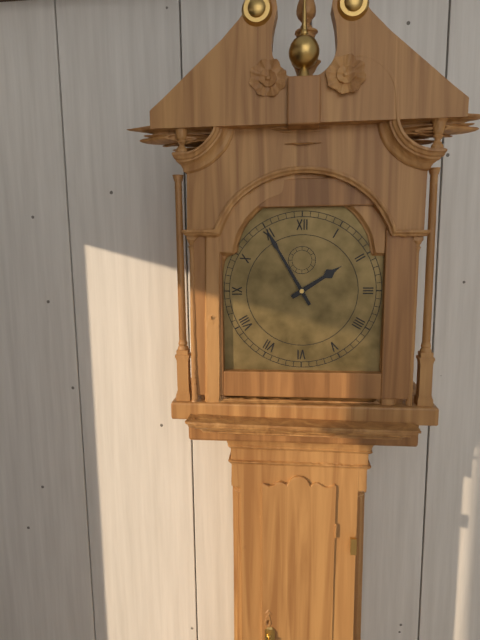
1h55
